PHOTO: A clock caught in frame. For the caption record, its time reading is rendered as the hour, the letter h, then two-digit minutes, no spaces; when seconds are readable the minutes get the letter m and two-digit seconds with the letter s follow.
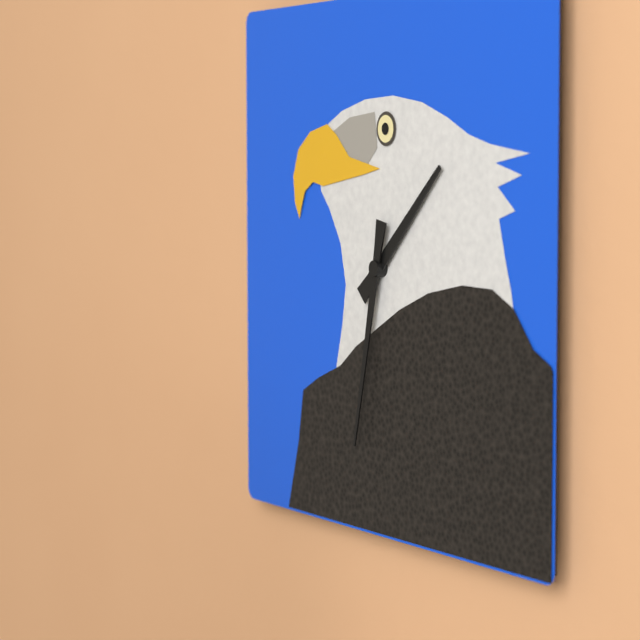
1h32
